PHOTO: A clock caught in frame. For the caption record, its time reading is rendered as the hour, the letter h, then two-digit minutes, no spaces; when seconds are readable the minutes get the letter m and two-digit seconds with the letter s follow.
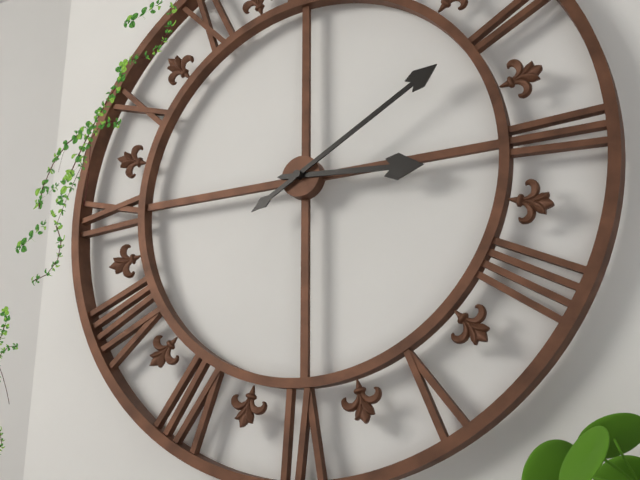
3h10
